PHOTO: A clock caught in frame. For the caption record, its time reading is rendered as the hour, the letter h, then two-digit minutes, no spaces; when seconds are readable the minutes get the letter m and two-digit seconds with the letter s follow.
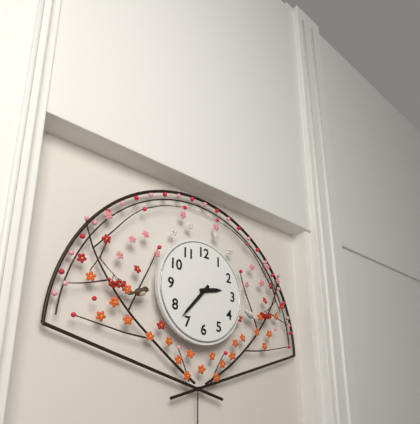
2h37
